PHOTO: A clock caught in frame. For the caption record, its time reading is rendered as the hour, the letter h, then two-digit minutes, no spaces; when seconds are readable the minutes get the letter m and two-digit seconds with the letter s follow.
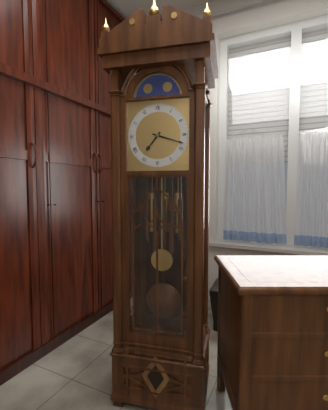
7h18
